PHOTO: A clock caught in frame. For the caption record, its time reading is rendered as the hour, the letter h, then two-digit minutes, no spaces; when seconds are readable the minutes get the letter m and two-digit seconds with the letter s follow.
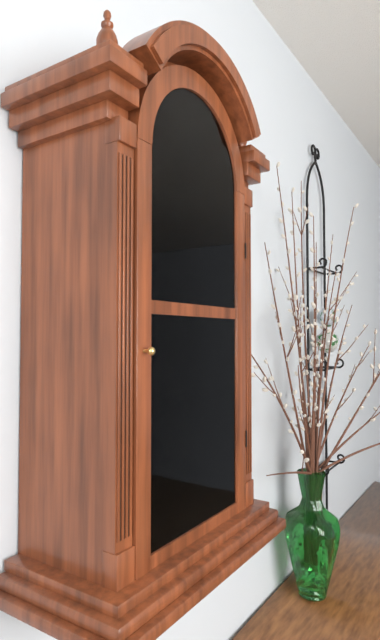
11h10
